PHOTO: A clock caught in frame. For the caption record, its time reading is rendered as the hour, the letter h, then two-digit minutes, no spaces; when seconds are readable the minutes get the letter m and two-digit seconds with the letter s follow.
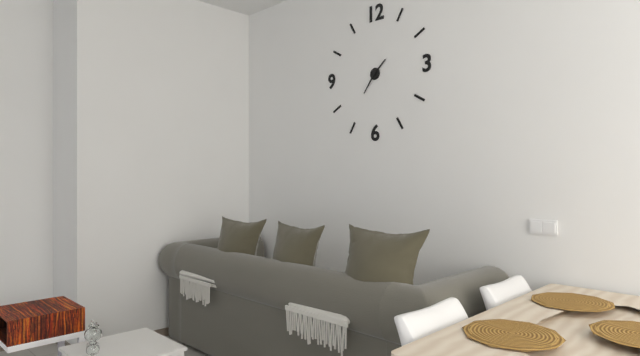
1h36
